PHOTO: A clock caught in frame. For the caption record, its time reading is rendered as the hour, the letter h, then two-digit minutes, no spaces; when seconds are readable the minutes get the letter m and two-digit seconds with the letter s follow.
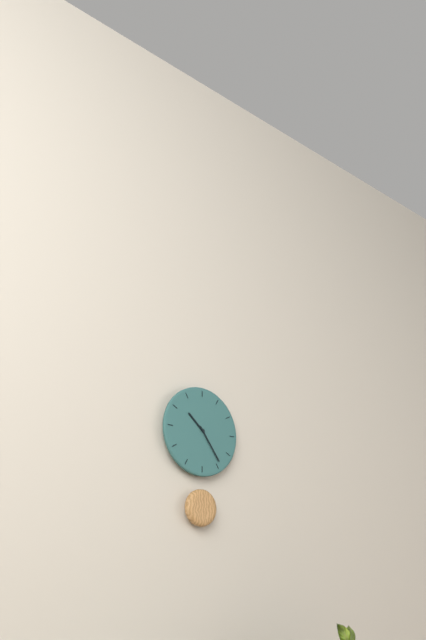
10h24
